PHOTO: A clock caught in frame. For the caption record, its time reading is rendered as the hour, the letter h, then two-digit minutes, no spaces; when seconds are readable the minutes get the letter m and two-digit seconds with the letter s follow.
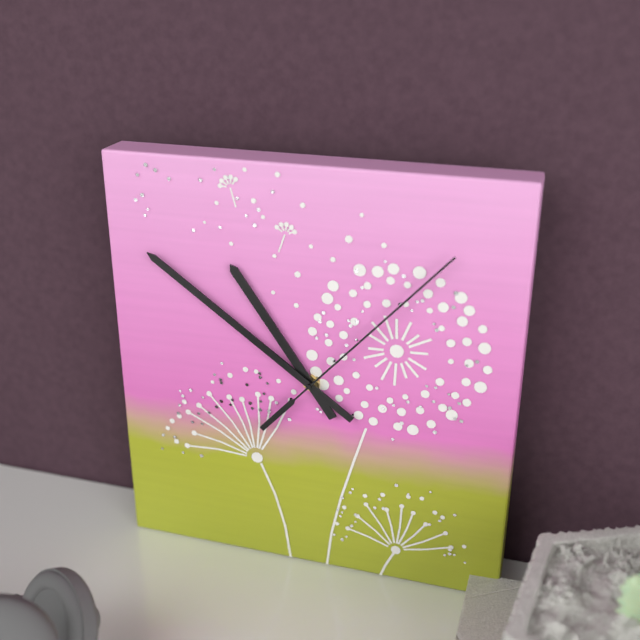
10h51m07s
